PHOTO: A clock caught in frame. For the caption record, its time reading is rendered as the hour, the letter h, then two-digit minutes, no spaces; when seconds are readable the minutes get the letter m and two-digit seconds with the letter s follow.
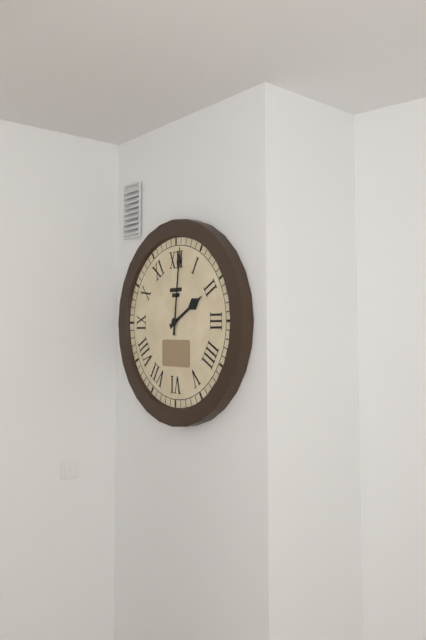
2h01
